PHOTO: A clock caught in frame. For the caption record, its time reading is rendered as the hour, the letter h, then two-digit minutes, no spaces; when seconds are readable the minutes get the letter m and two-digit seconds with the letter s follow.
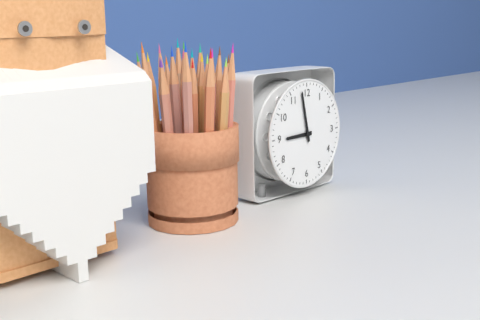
8h58
